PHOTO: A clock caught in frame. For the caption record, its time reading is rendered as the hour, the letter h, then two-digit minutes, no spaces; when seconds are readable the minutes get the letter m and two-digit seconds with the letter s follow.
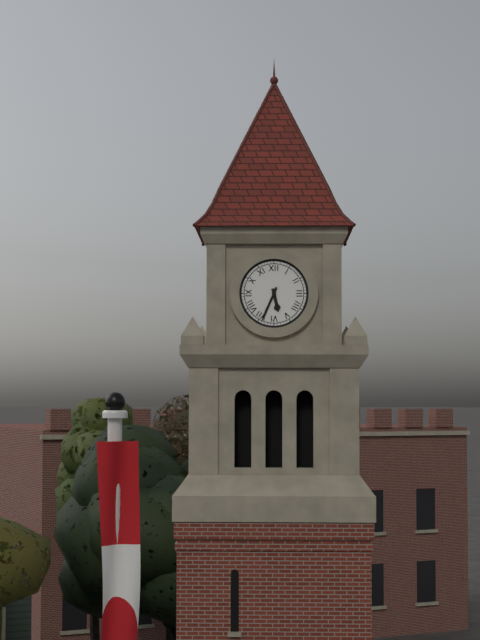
5h34
